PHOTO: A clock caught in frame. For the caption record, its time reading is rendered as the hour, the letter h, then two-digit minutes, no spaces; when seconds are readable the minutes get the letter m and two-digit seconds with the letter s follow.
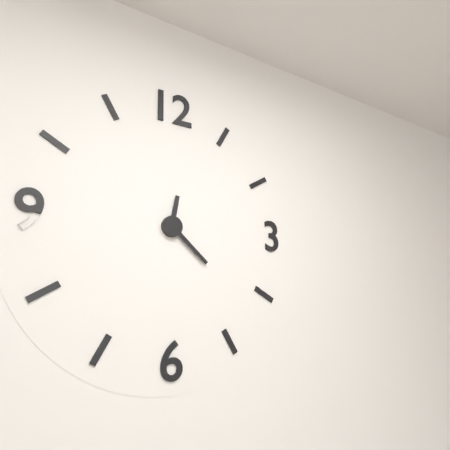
12h22
